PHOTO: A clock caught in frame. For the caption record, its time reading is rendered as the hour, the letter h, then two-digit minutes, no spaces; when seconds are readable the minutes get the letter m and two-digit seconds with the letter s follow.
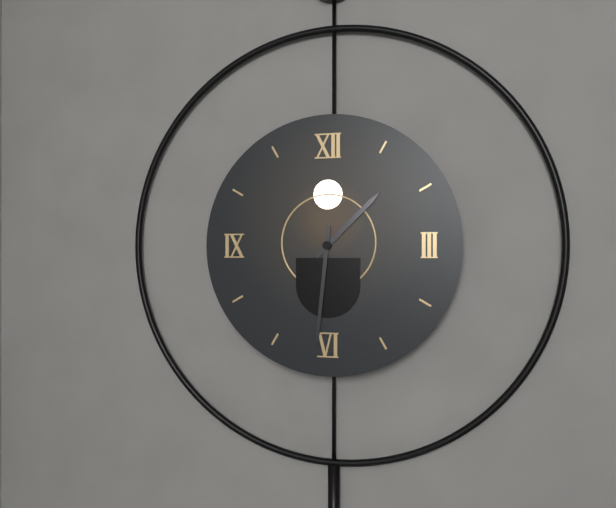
1h31
